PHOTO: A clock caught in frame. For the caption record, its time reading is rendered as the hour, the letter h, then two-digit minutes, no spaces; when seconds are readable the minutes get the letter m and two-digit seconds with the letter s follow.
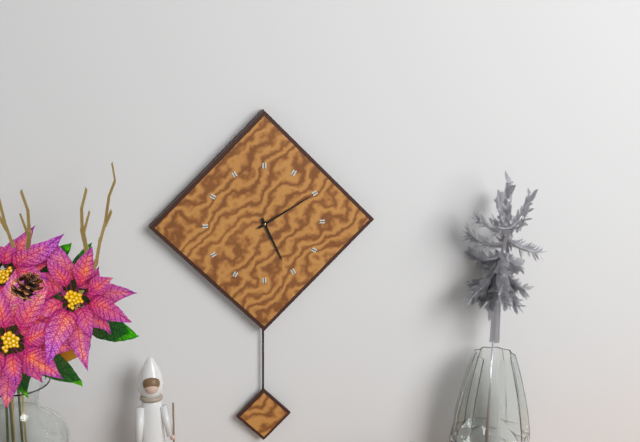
5h10
